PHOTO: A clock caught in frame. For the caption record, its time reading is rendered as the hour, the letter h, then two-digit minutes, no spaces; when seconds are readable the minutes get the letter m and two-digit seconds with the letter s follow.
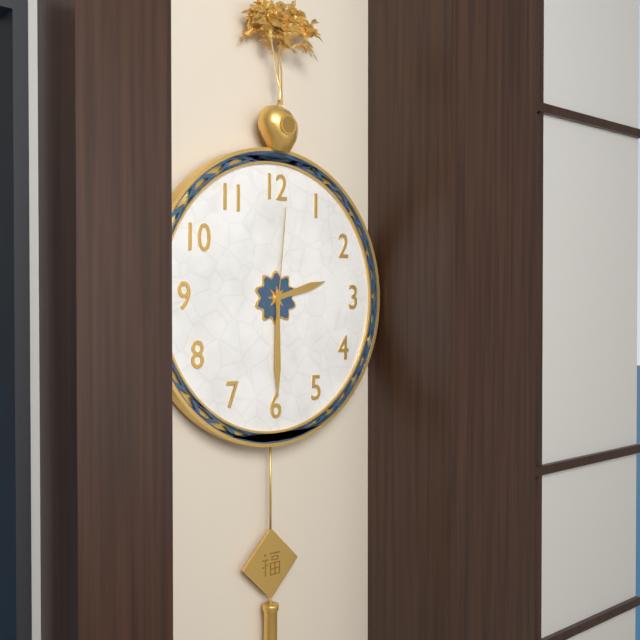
2h30m01s
